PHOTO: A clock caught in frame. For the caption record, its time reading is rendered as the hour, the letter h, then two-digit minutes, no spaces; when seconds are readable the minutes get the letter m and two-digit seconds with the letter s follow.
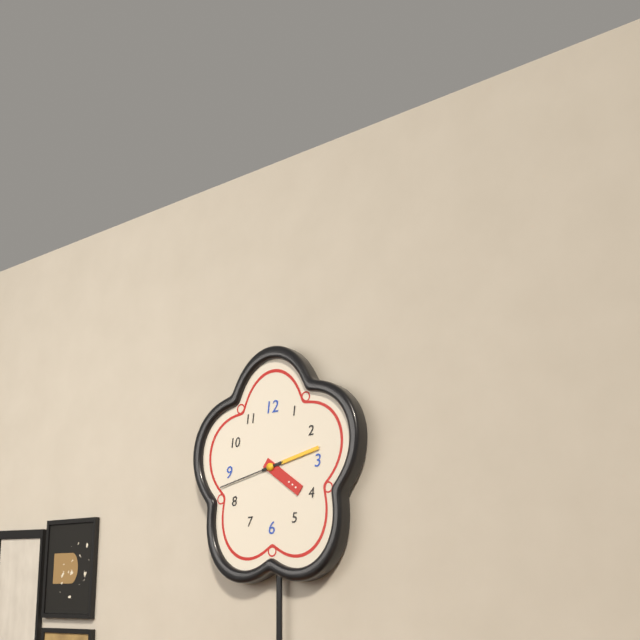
4h13m43s
